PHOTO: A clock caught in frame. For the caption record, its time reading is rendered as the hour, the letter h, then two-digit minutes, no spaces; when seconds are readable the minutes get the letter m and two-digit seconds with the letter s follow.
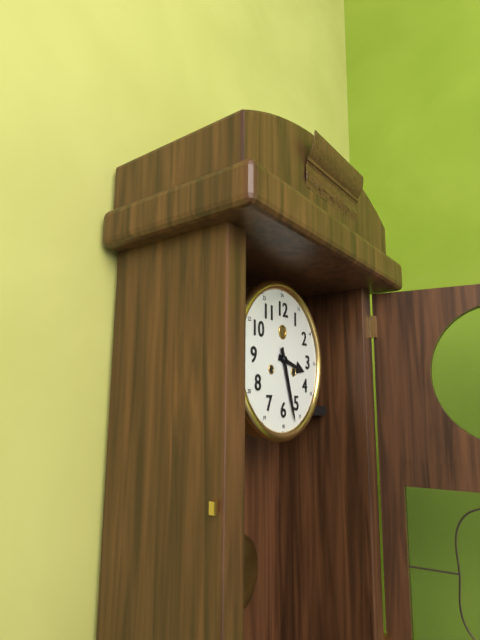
3h27
